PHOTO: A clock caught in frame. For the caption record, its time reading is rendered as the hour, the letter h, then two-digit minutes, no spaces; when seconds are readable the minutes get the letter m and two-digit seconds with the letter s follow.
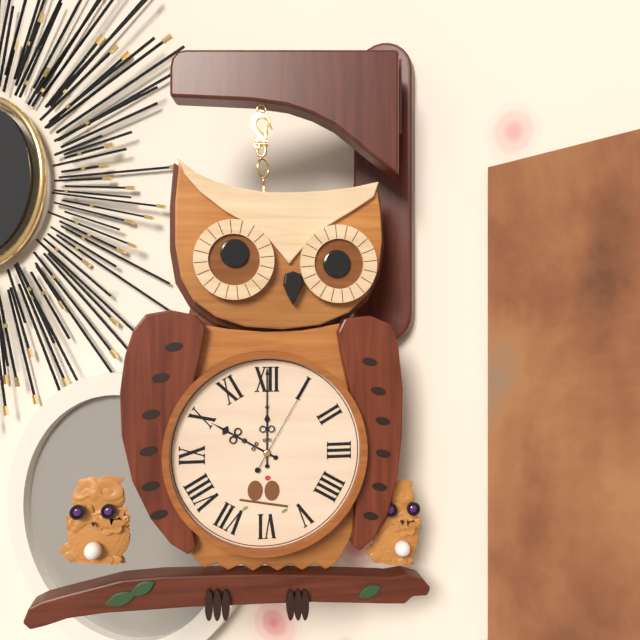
10h00m05s
